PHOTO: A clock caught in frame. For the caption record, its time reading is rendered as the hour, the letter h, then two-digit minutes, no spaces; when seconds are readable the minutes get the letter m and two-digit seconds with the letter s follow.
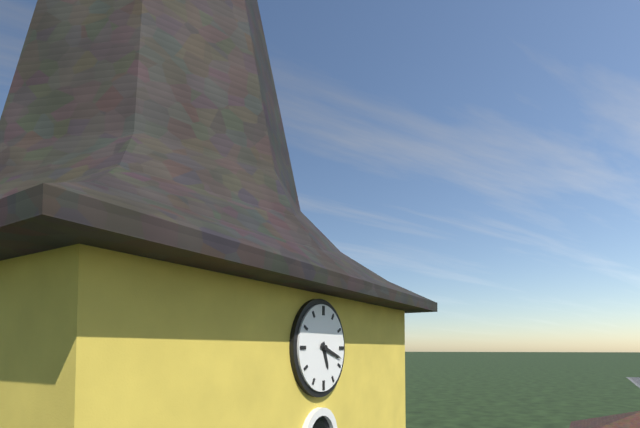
5h18
